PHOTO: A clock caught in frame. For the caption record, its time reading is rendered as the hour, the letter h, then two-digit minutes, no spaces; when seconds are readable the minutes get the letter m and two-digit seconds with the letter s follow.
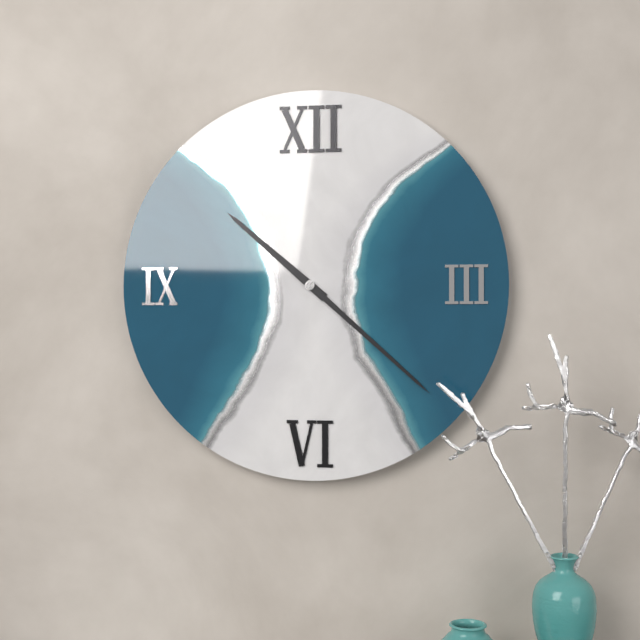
10h22
